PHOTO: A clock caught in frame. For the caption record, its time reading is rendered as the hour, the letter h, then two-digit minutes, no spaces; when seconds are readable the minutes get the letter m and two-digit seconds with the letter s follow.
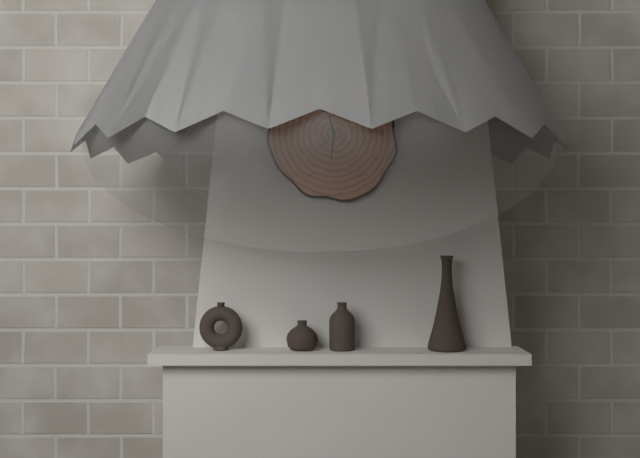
11h31
